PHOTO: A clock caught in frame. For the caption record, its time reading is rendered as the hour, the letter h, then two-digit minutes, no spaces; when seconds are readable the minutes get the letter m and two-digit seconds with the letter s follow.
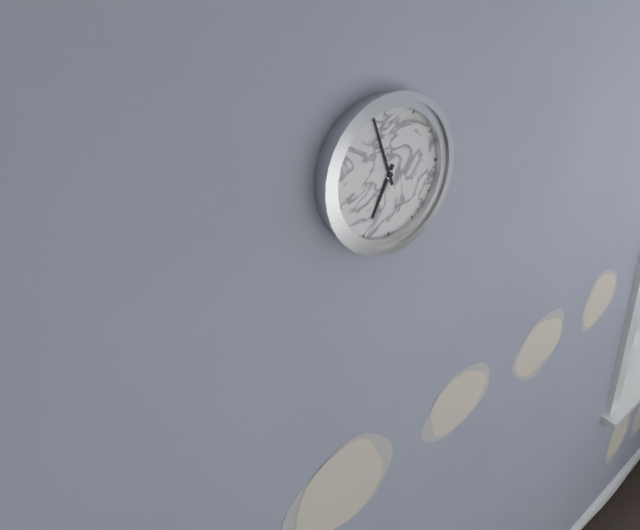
6h57
